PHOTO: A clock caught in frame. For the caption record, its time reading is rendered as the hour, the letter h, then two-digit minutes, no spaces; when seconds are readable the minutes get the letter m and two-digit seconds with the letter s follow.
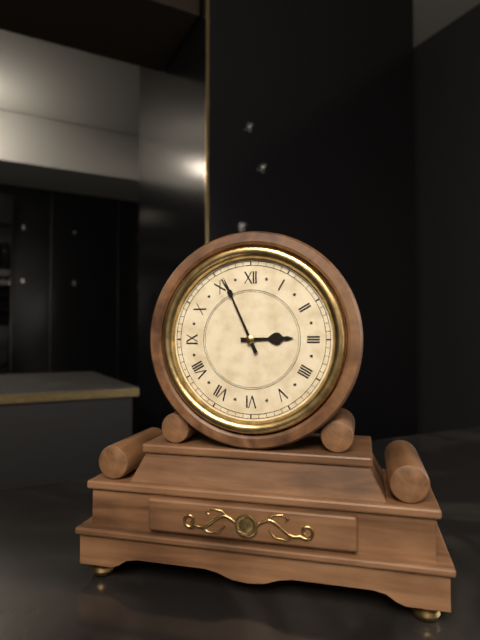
2h56
